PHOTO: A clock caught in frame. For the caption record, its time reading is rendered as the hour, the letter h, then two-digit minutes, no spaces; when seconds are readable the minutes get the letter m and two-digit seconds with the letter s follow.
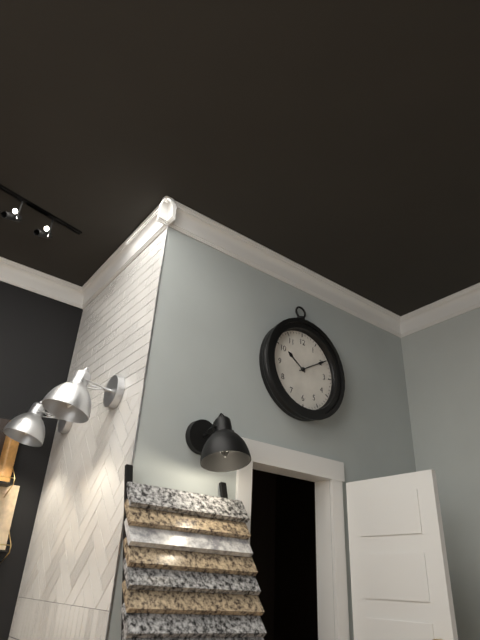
10h10
